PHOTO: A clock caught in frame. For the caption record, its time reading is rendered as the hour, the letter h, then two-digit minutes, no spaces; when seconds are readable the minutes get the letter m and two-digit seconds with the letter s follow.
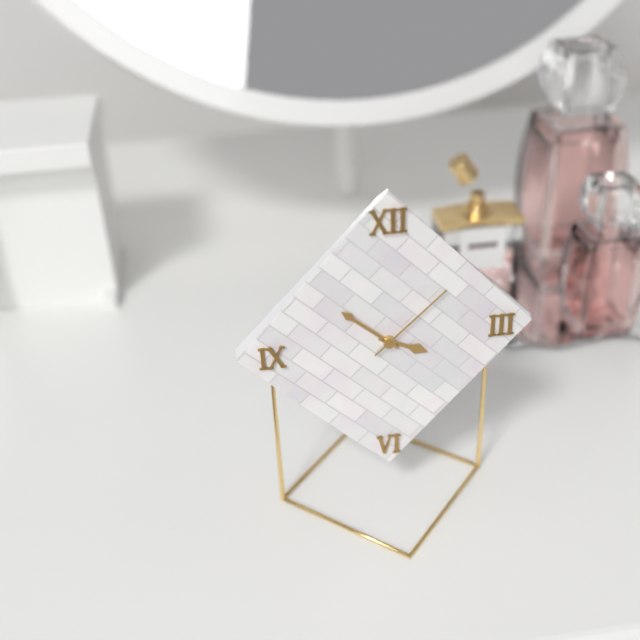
3h52m08s
